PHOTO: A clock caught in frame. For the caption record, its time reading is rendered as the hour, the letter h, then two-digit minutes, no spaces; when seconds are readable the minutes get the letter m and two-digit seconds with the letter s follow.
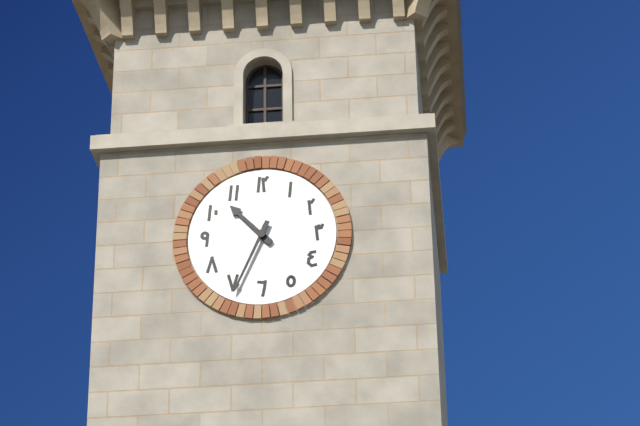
10h34
